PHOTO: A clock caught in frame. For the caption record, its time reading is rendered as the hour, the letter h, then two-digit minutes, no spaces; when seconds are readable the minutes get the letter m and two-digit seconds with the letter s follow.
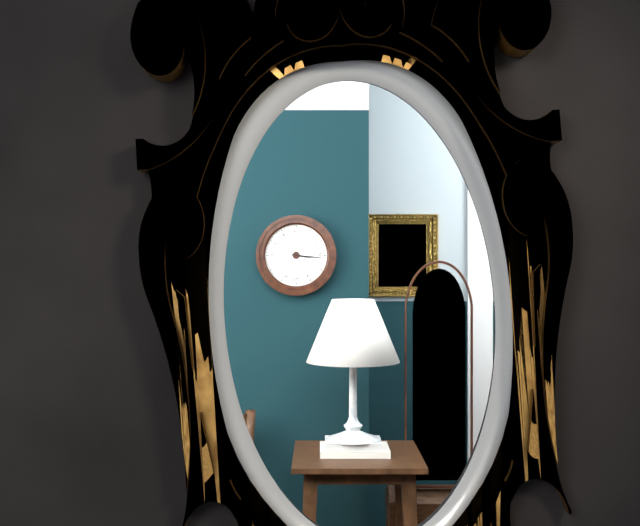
3h16
